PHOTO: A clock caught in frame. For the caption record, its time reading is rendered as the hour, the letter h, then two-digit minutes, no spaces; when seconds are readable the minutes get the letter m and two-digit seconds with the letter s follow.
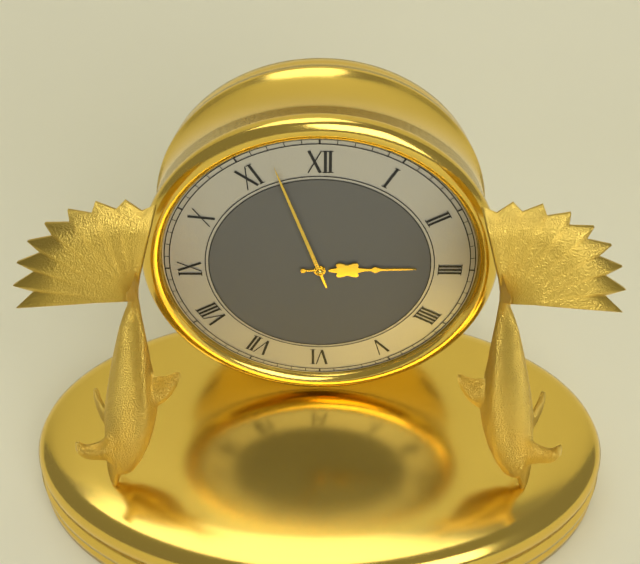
2h57
